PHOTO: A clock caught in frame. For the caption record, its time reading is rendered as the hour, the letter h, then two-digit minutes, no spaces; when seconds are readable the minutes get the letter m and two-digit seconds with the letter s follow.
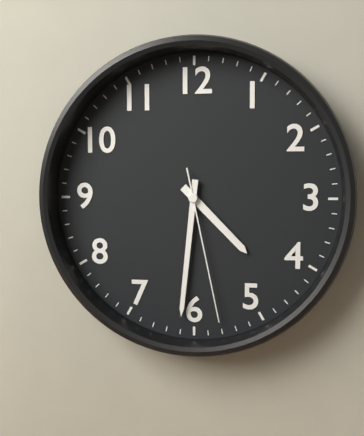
4h31m28s
